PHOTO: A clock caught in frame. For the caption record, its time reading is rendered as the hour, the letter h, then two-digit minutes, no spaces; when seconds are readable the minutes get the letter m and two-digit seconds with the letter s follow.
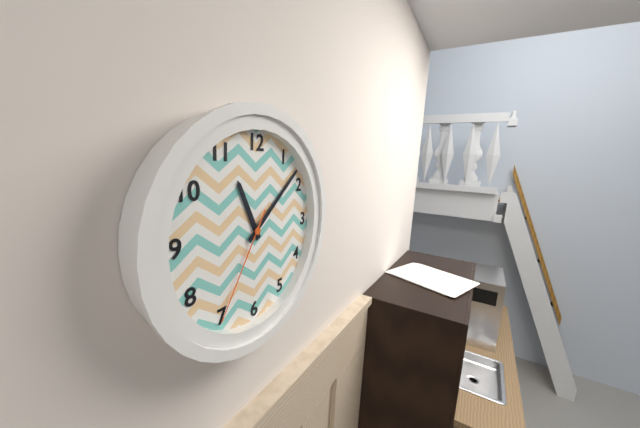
11h08m35s
